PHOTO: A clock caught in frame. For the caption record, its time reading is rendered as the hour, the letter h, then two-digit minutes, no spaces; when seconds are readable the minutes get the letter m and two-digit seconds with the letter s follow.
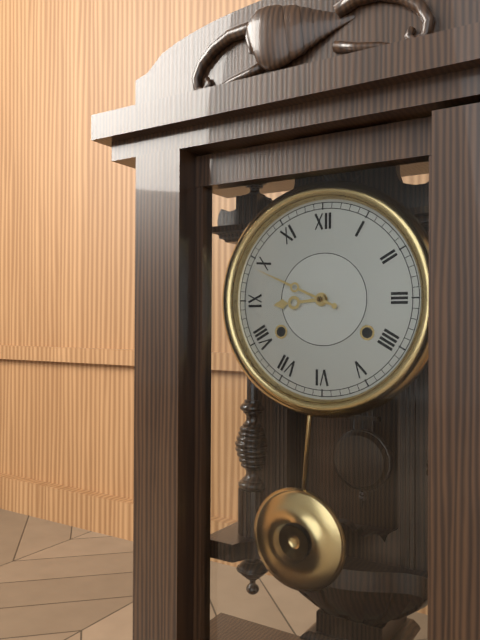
8h49
